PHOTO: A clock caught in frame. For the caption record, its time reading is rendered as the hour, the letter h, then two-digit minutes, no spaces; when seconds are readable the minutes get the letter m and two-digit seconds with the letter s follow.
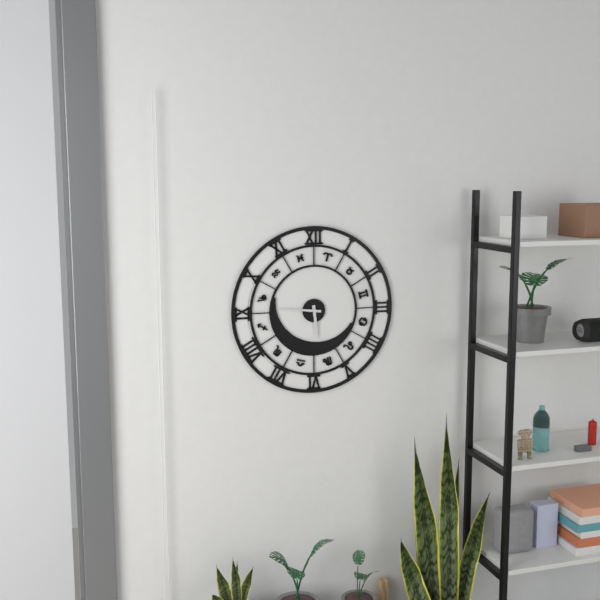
5h46
